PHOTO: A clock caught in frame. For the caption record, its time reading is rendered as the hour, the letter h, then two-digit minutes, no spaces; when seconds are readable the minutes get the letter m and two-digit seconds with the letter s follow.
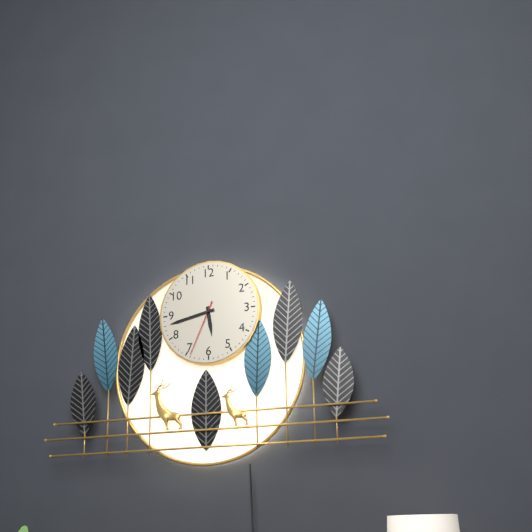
5h43m34s
